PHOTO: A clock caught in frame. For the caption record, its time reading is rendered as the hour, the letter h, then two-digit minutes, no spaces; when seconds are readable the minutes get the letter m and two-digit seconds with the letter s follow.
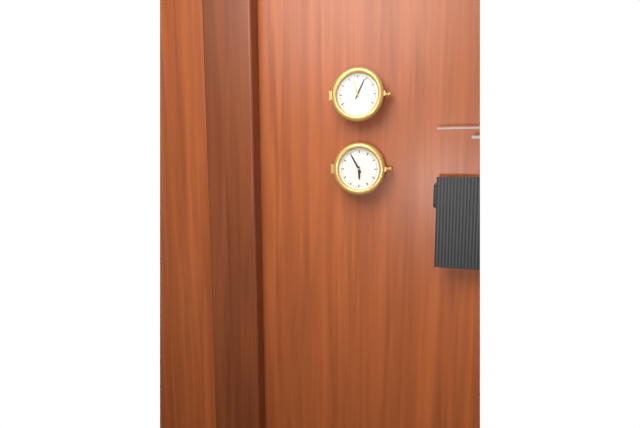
5h55
